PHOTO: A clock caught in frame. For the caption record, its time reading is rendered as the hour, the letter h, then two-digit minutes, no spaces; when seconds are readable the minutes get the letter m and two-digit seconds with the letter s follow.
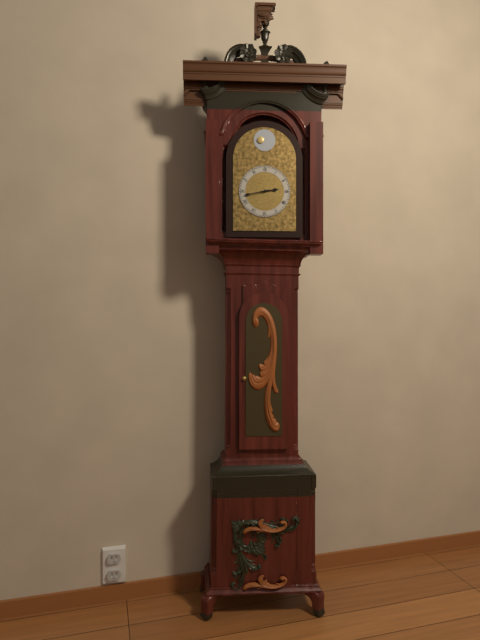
2h43
